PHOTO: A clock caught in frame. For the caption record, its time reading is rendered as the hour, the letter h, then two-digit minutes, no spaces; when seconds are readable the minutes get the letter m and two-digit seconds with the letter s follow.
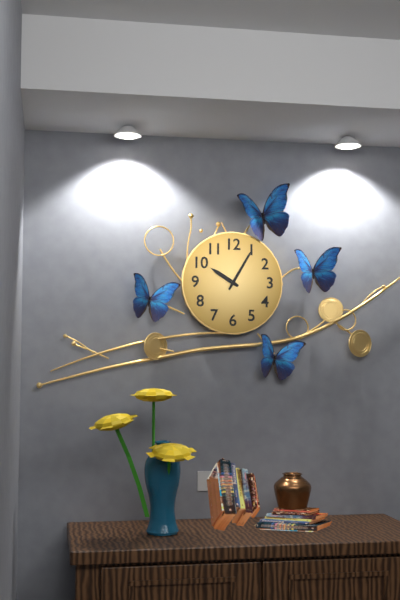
10h05
